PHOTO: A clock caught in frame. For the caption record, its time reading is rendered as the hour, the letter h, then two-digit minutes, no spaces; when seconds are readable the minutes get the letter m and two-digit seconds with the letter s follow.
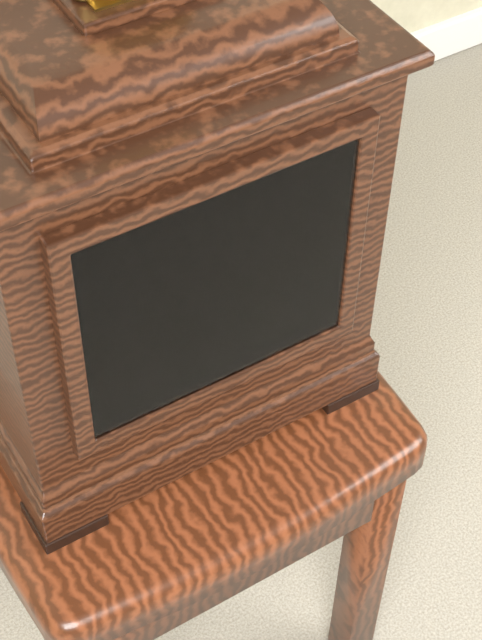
6h37
